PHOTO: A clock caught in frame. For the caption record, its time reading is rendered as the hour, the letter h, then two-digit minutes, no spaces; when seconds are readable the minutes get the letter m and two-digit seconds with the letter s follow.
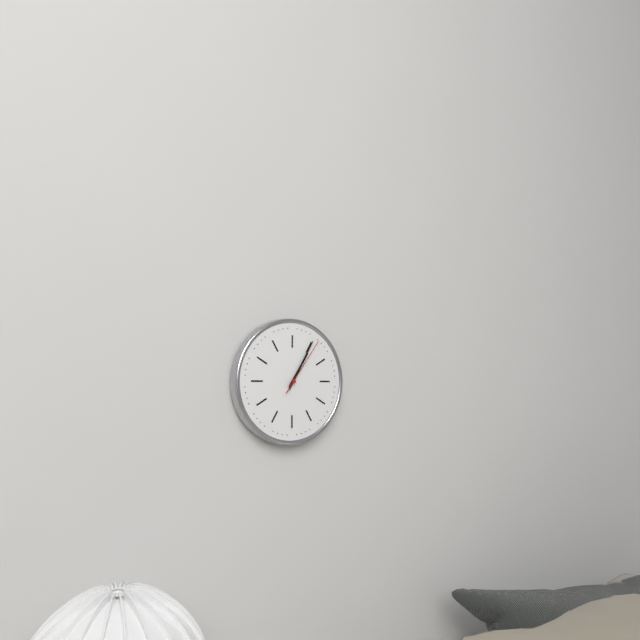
1h05m06s
